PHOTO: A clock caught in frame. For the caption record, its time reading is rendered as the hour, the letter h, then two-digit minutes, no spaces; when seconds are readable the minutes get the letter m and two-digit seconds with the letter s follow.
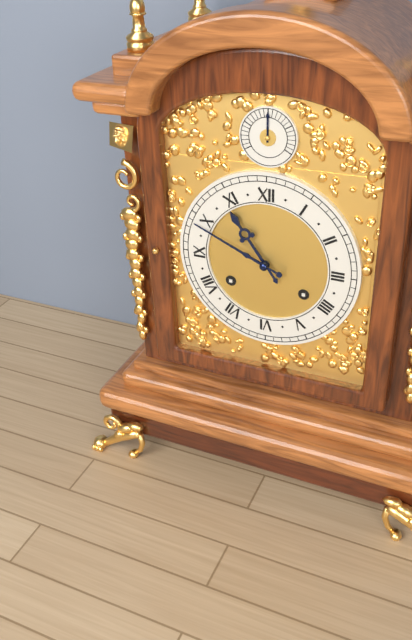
10h49
